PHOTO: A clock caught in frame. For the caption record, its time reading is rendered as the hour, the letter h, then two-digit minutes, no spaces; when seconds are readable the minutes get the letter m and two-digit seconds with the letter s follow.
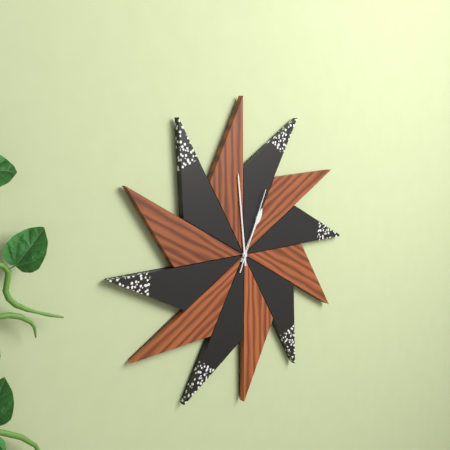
12h59m04s
